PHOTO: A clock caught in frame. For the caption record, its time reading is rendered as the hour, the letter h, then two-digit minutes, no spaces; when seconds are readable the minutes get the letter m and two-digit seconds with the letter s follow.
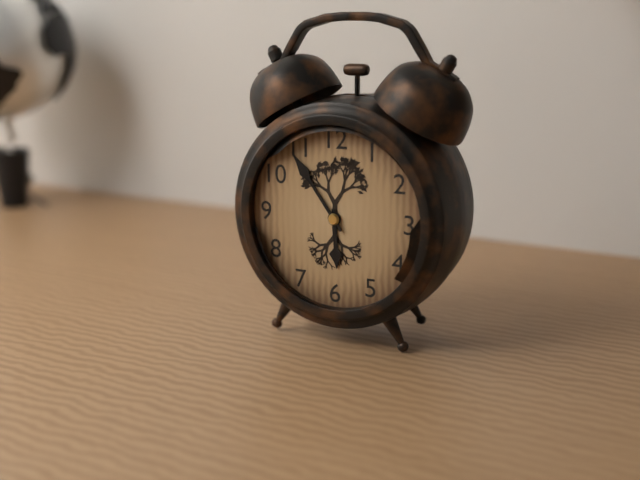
5h54
